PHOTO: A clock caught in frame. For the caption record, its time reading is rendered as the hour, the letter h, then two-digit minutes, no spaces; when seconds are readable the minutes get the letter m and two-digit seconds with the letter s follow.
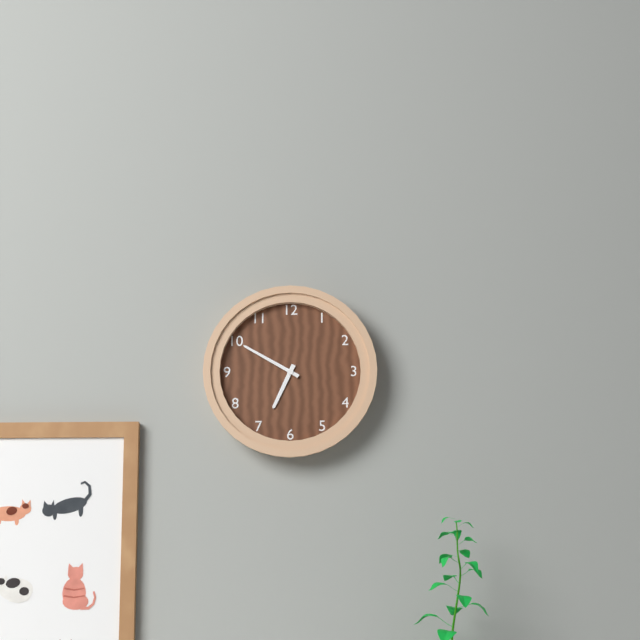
6h50
